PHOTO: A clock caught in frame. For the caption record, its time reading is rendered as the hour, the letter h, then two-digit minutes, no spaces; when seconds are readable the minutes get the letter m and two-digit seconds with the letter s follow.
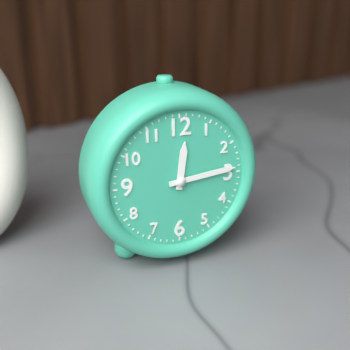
12h14
